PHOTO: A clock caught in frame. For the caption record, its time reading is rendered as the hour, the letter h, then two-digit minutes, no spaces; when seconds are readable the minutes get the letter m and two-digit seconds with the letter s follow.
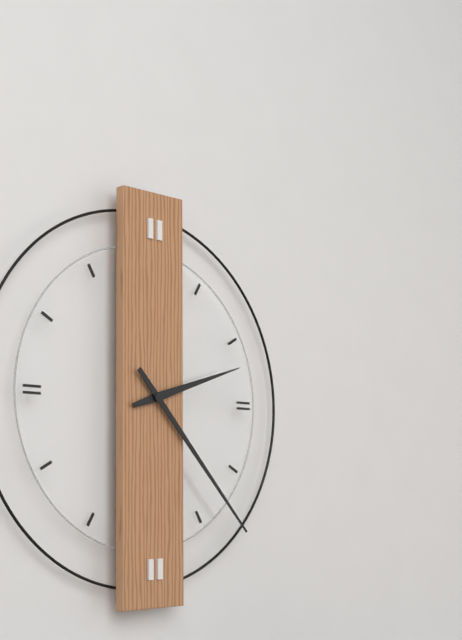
2h23
